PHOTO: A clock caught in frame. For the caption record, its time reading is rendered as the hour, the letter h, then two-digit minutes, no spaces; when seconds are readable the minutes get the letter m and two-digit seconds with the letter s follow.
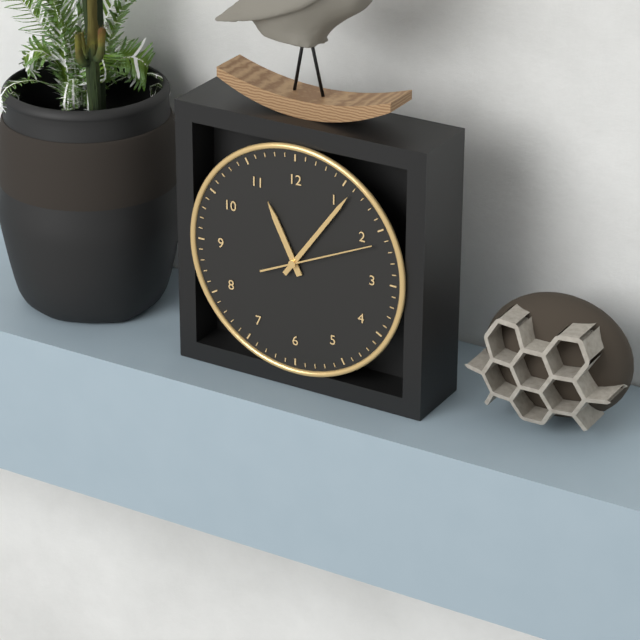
11h06m11s
